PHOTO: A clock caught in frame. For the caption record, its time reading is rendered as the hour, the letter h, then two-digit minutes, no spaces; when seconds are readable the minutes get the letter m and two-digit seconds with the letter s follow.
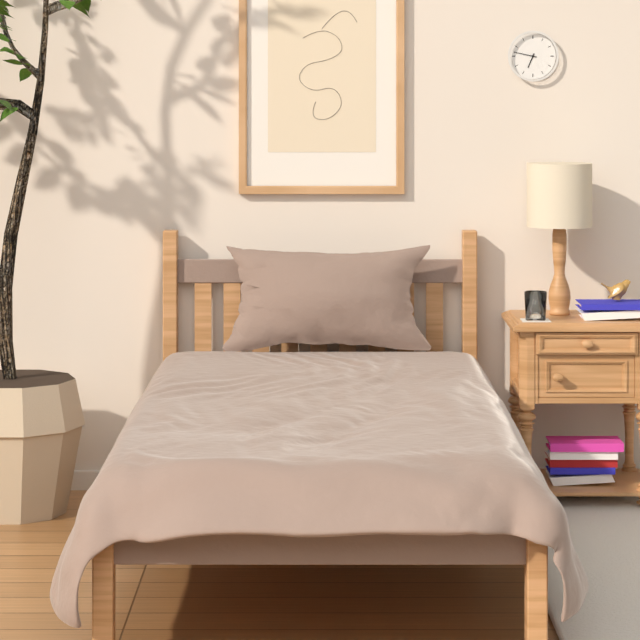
6h47
